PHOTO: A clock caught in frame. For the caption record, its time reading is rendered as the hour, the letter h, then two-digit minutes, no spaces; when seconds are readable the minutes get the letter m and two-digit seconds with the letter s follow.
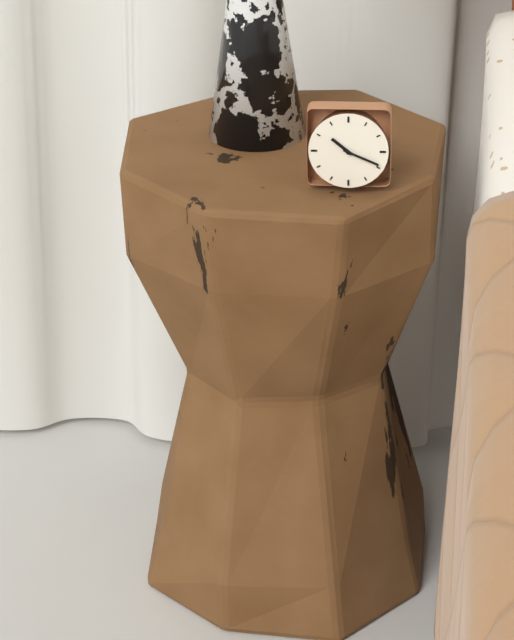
10h19
